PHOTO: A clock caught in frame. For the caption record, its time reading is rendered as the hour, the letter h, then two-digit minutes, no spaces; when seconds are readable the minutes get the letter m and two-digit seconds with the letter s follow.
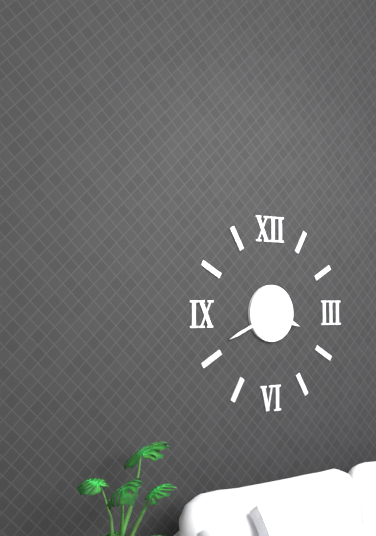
3h41
